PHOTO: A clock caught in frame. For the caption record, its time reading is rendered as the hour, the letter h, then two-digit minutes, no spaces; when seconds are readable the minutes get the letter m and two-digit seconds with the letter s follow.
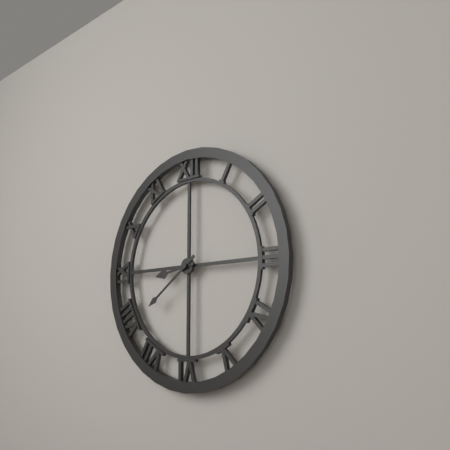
8h39
